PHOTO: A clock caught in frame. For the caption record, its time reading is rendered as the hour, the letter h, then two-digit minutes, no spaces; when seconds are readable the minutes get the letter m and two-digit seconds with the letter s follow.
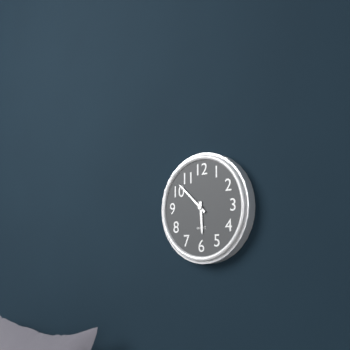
5h52
